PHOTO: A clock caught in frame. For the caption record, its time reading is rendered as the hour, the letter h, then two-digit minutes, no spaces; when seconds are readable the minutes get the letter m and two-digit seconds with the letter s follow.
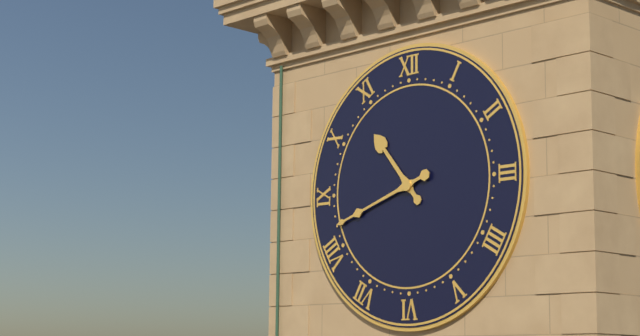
10h42
